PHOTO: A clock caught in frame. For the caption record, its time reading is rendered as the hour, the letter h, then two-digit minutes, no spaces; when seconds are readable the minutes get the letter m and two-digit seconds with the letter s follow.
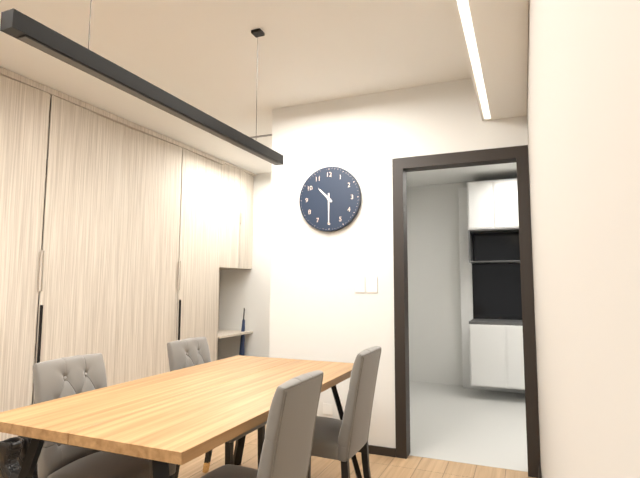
10h30
